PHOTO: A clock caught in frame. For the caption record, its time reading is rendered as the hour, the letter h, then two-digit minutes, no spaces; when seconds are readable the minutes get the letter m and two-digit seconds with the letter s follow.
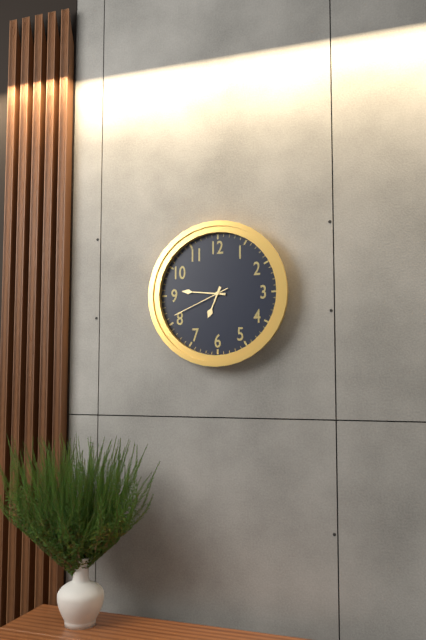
6h46m41s
